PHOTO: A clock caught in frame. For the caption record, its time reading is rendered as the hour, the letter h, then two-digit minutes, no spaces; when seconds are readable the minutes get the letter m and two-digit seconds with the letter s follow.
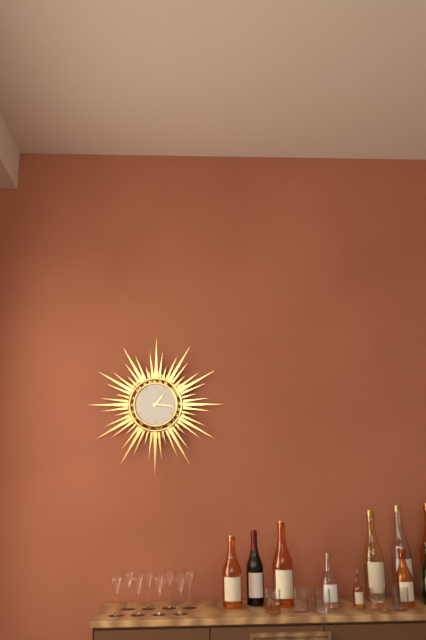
1h16
